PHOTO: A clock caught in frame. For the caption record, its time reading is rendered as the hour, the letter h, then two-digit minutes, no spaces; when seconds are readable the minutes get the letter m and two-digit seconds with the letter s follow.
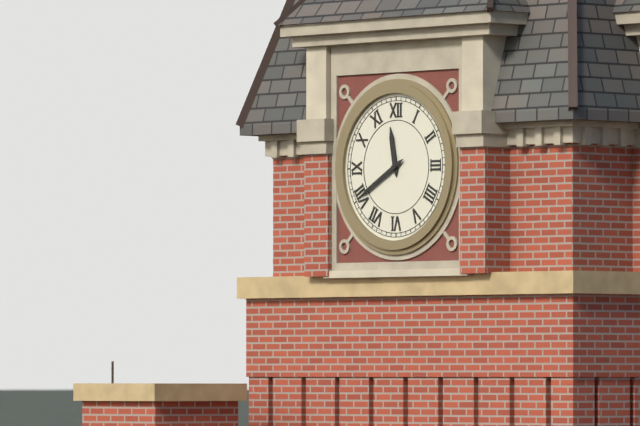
11h40
